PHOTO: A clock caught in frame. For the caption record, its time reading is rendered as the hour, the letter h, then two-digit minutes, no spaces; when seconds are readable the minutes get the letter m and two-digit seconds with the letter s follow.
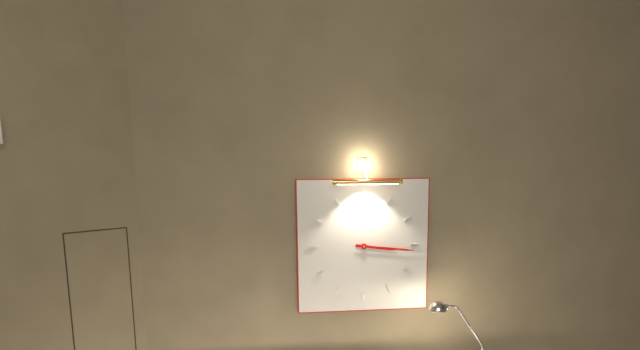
3h16
